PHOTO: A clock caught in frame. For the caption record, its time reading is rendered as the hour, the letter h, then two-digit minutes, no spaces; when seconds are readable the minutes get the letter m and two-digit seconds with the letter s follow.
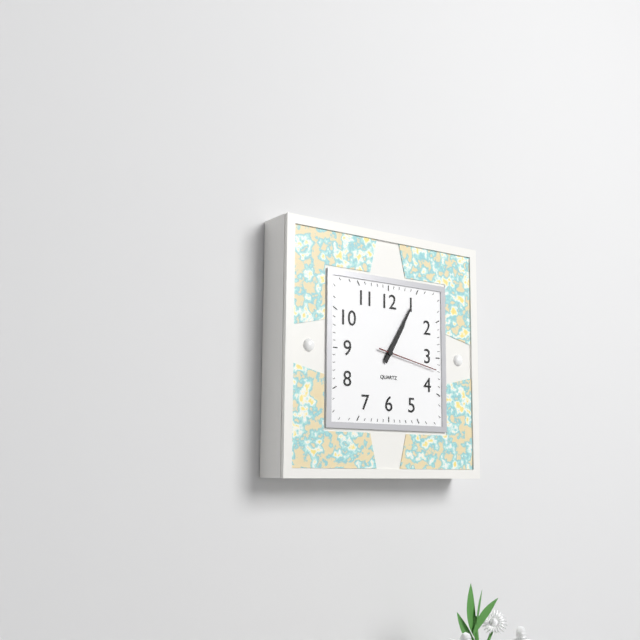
1h05m17s
